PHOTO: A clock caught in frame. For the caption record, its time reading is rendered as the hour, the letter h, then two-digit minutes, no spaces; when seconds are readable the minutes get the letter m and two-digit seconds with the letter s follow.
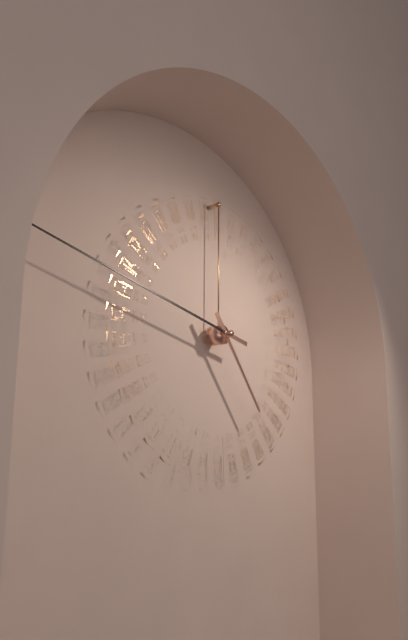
4h47
